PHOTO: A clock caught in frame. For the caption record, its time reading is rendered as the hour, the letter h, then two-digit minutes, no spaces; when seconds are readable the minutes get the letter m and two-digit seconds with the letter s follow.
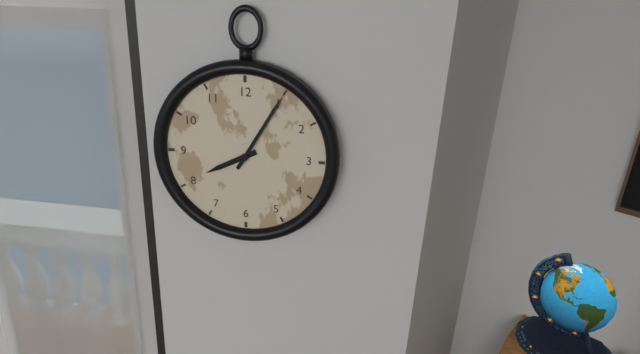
8h05
